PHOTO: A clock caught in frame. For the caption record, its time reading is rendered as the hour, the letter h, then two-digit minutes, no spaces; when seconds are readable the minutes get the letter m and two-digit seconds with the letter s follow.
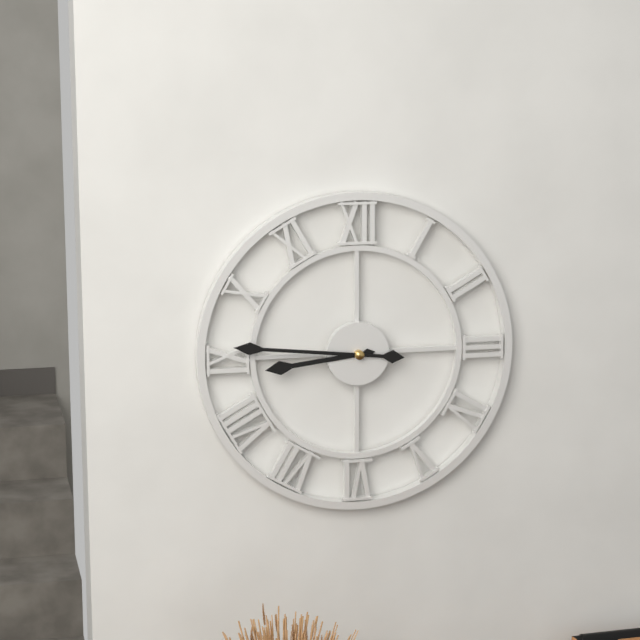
8h46
